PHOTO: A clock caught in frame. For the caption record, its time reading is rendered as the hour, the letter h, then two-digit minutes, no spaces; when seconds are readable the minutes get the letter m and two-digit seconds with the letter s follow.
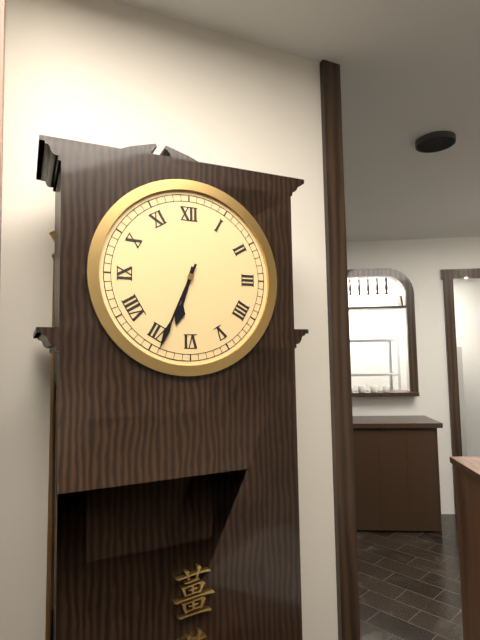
6h34
